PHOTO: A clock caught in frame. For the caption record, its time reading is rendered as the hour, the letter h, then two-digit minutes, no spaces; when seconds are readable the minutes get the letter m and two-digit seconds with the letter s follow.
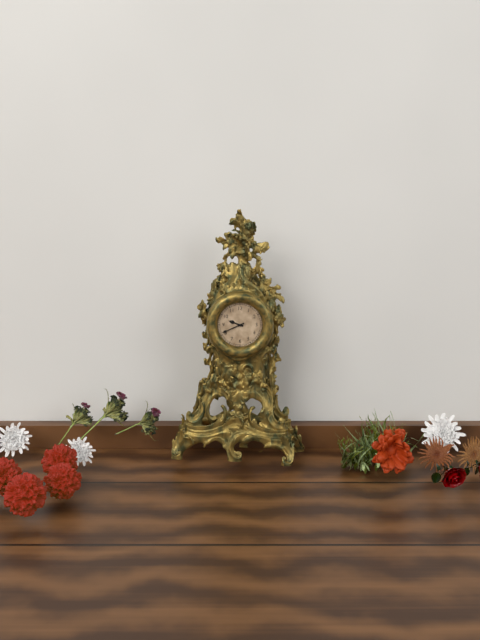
9h41
